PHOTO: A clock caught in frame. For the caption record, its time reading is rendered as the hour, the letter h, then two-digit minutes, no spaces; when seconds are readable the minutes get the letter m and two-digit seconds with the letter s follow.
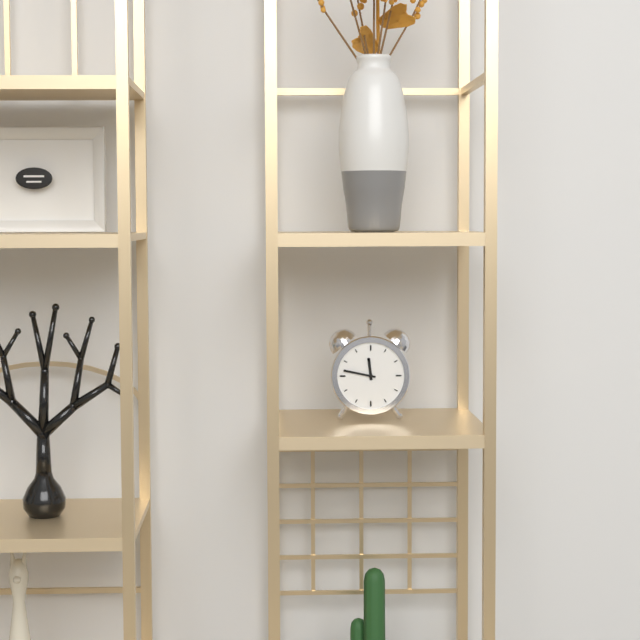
11h47
